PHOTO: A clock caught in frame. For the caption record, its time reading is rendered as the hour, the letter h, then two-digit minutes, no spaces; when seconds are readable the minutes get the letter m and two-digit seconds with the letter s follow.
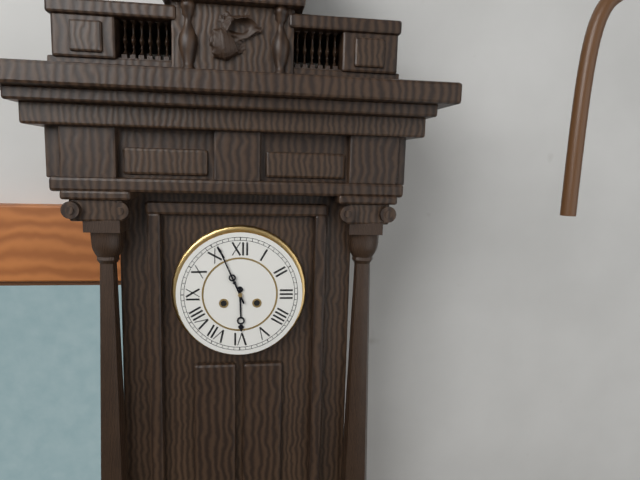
5h56
